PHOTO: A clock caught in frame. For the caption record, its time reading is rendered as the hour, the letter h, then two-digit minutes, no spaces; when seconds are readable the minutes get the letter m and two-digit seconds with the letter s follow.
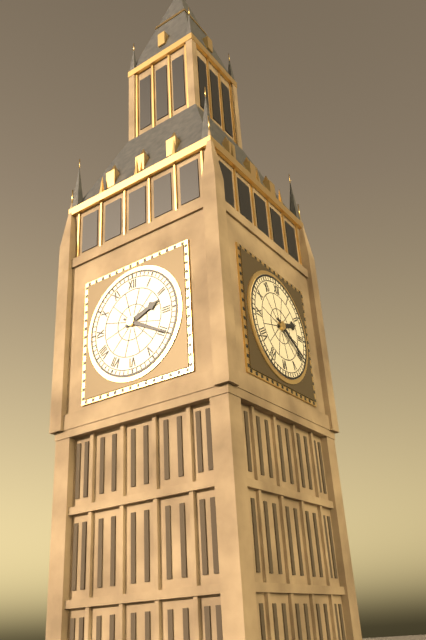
2h20
